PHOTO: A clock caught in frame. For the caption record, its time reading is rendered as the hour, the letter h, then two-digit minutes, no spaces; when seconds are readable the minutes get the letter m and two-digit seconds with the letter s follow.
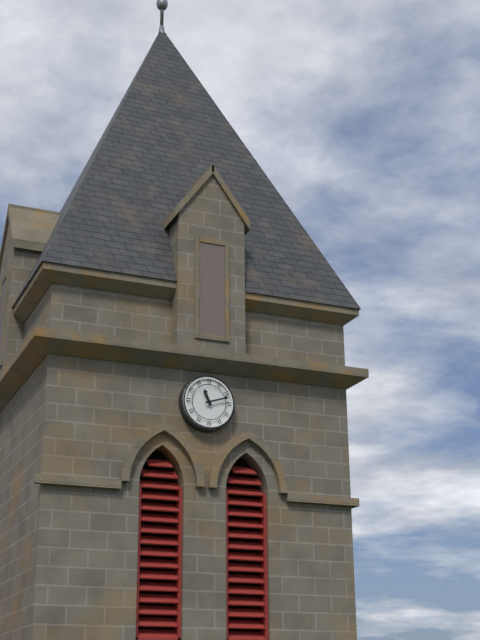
11h12
